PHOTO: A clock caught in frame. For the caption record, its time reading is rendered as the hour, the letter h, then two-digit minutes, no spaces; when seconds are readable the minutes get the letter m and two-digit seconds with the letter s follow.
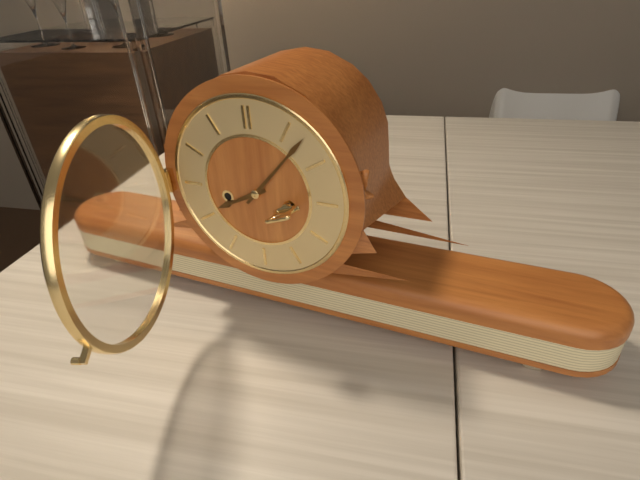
8h07
